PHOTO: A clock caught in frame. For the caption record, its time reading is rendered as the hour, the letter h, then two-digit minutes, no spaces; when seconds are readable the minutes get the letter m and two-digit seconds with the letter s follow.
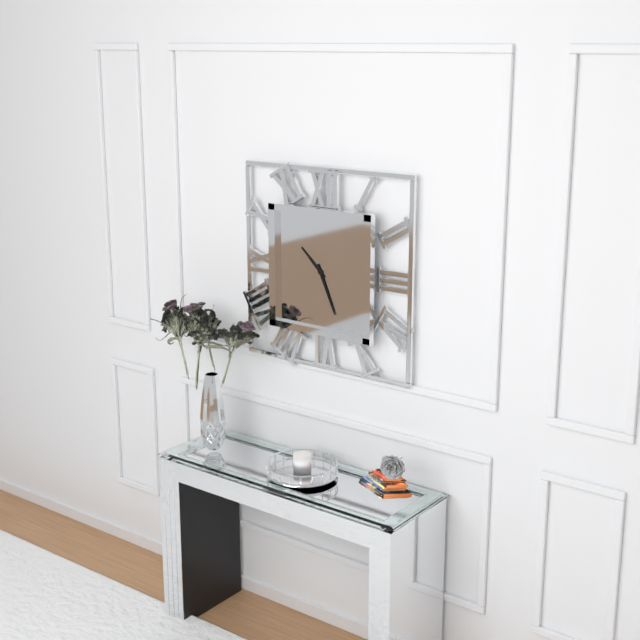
10h26
